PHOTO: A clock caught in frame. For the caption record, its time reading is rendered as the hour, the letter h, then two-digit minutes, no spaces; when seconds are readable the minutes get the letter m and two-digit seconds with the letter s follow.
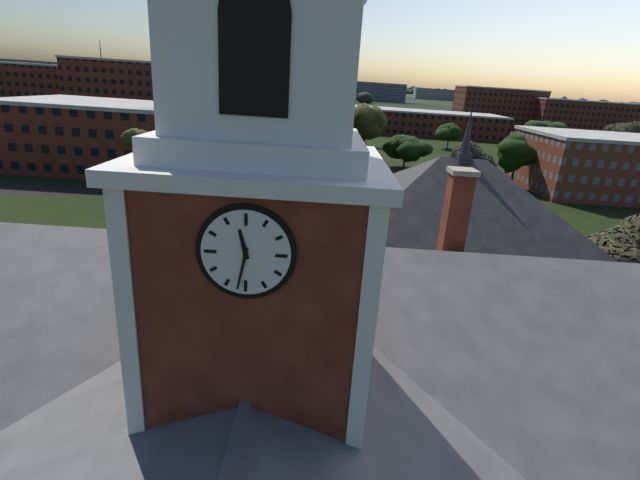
11h32
